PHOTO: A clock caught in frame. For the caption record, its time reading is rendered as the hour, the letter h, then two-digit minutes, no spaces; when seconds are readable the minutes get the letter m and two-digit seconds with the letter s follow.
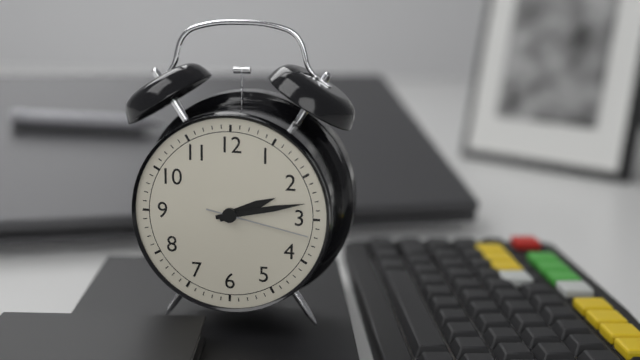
2h13m17s
